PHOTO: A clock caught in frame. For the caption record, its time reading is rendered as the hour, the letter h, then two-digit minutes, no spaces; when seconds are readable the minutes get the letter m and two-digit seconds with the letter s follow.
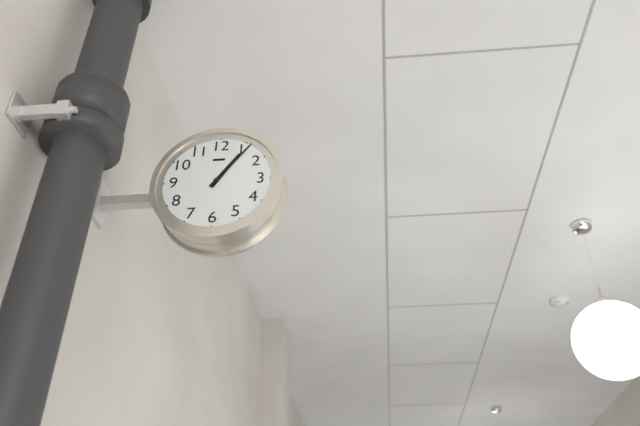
1h06
